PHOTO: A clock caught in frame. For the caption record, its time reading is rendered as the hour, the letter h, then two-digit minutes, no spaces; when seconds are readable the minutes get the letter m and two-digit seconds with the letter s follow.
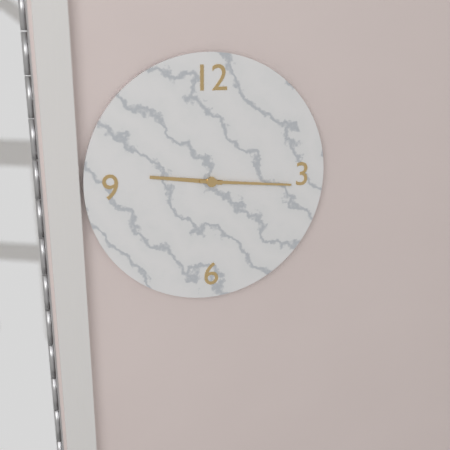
9h16
